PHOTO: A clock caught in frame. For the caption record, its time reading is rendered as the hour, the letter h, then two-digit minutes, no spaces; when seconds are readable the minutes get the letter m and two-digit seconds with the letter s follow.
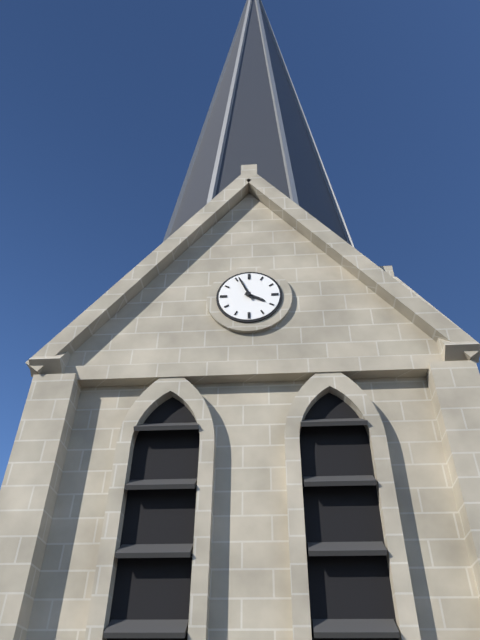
3h56
